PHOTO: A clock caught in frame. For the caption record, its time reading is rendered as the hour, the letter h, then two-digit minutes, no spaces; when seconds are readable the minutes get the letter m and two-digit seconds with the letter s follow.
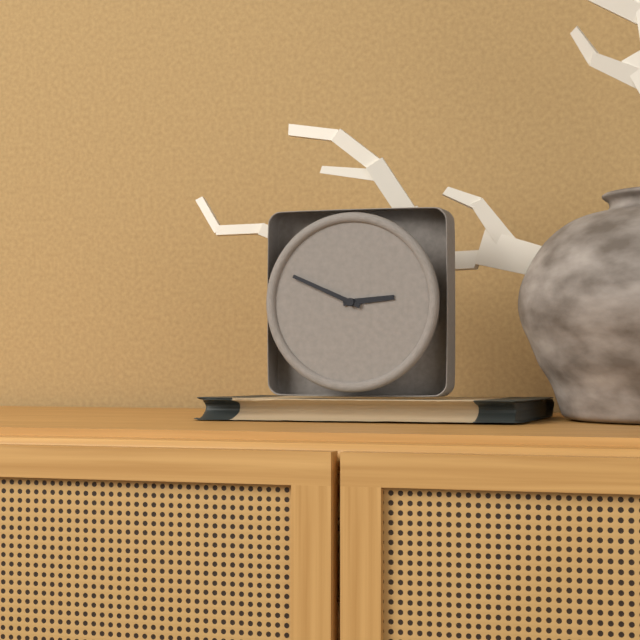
2h49
